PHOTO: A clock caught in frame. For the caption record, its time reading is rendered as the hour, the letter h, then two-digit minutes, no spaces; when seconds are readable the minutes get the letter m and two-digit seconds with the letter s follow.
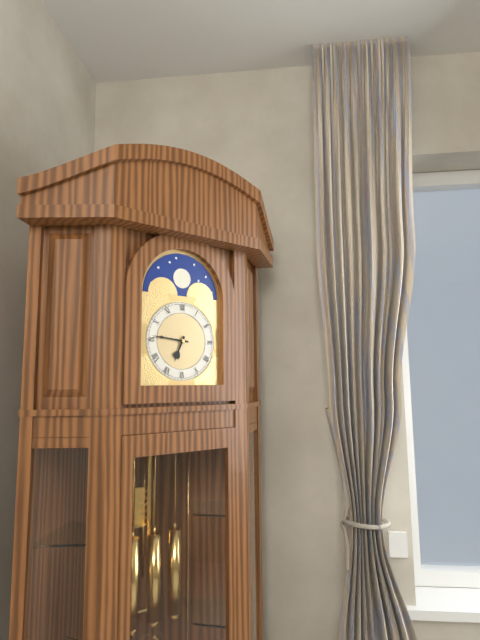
6h46
